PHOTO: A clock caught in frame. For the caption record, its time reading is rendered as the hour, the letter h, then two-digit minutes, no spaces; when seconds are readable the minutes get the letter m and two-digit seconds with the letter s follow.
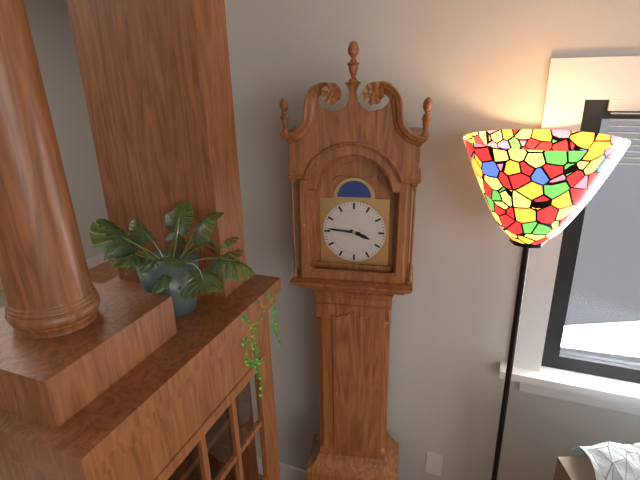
3h46
